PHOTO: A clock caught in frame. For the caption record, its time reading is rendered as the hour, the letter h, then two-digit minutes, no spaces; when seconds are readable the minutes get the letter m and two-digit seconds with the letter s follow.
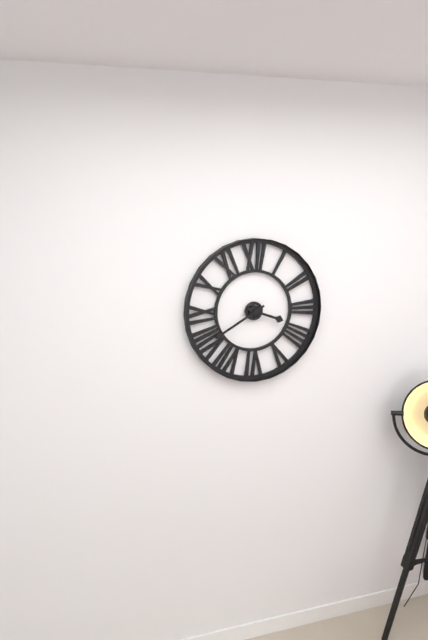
3h40
